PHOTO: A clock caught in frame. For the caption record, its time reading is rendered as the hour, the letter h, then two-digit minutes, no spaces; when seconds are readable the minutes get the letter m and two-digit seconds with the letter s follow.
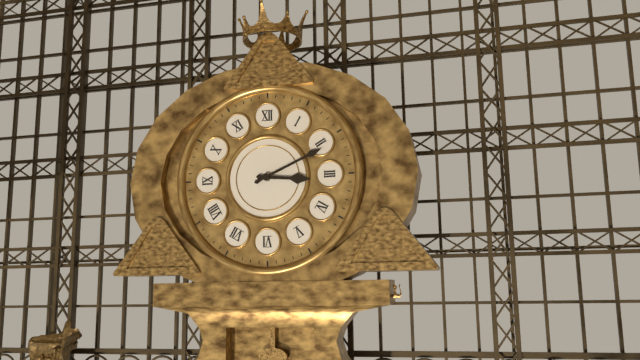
3h11
